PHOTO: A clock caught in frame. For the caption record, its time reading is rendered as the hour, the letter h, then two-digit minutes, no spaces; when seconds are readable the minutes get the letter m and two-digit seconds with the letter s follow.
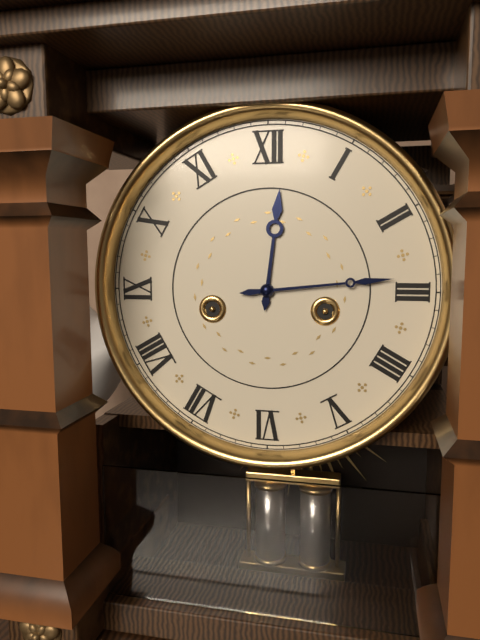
12h14
